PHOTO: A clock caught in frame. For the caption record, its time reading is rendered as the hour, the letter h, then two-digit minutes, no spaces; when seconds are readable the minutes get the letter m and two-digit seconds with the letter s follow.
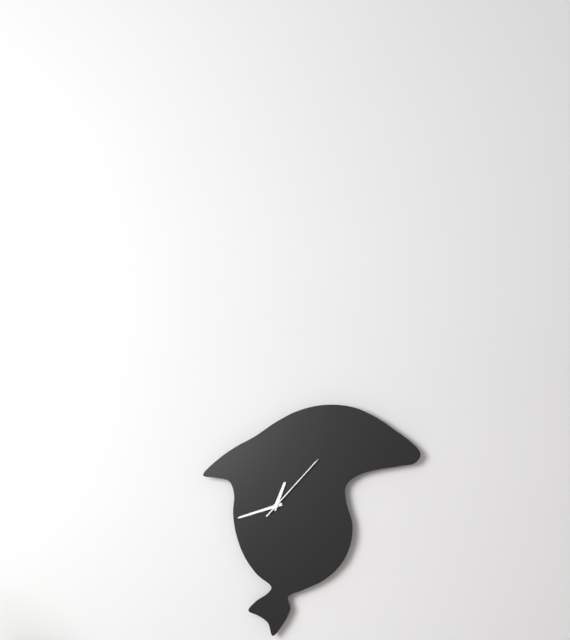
12h42m07s
